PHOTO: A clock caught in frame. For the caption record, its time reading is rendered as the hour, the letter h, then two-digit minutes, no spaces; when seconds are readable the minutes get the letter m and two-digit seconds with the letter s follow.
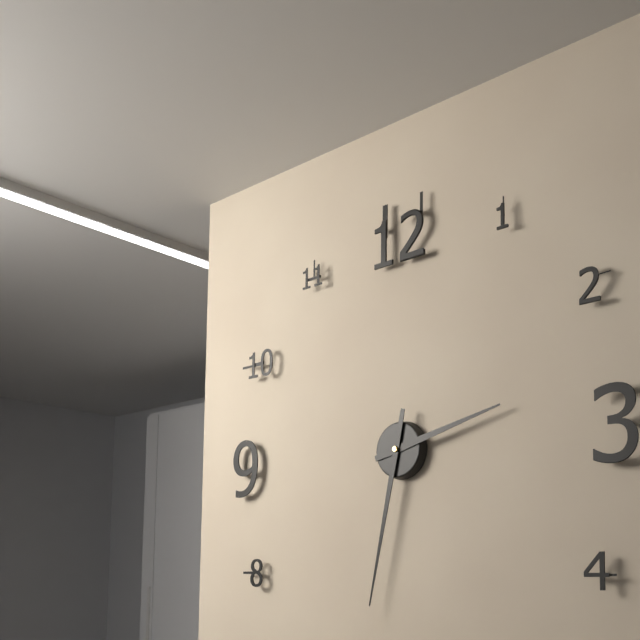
2h32
